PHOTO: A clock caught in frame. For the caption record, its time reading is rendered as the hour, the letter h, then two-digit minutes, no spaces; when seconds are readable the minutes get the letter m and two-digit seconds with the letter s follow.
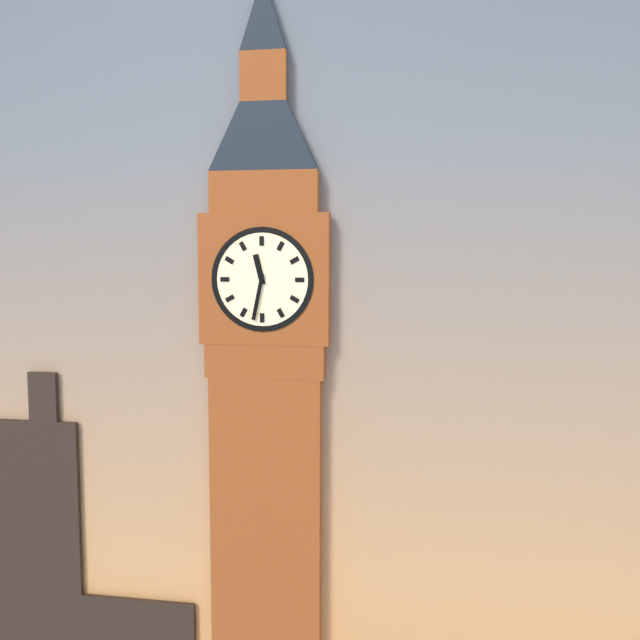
11h32
